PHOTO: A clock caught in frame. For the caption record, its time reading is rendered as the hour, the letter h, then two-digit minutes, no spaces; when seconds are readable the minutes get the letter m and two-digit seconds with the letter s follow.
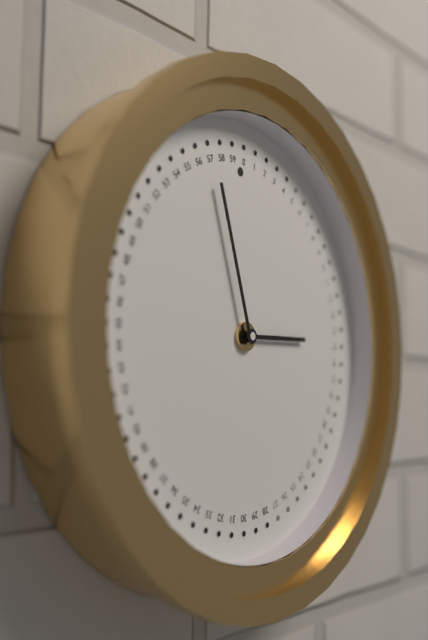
2h57
